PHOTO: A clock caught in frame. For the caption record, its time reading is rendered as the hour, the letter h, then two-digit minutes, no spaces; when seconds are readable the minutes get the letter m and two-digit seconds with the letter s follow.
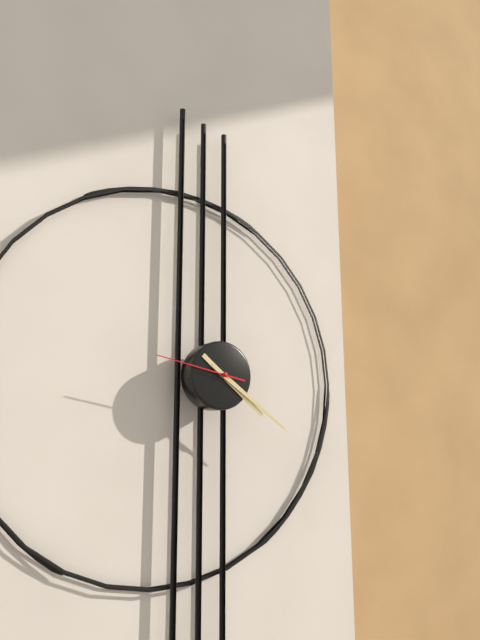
4h21m47s
